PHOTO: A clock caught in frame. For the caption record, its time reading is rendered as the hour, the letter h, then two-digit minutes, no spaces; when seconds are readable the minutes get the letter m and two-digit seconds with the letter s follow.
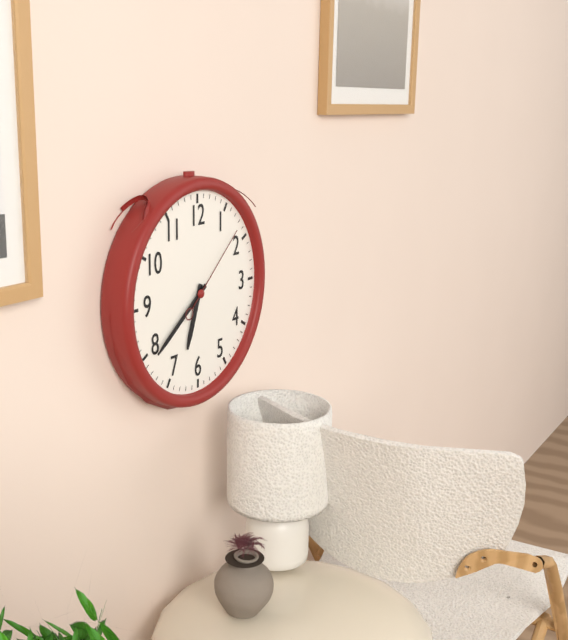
6h39m08s
